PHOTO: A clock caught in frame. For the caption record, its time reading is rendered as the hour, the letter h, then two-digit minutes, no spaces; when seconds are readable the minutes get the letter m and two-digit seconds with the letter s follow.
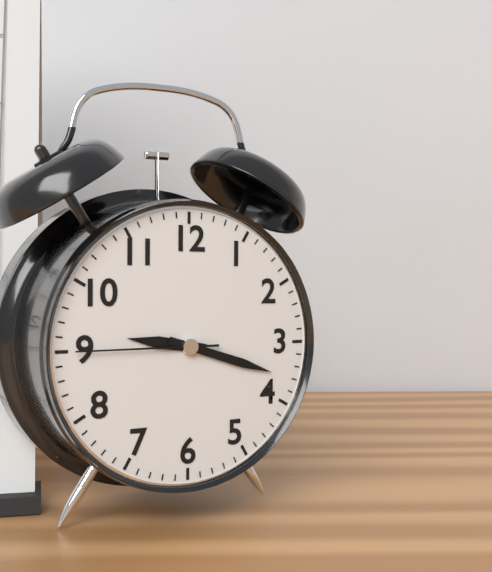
9h18m45s
